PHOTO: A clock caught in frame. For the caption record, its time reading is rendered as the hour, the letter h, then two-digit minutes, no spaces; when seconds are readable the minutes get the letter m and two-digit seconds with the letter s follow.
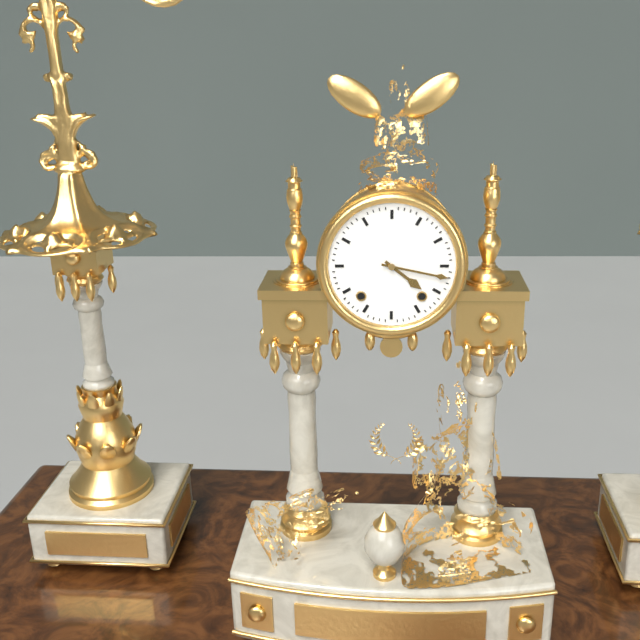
4h17
